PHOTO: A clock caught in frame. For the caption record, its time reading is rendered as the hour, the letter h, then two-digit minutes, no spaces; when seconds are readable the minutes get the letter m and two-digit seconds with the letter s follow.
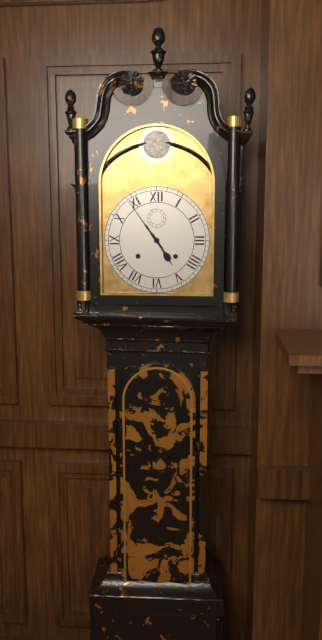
4h54
